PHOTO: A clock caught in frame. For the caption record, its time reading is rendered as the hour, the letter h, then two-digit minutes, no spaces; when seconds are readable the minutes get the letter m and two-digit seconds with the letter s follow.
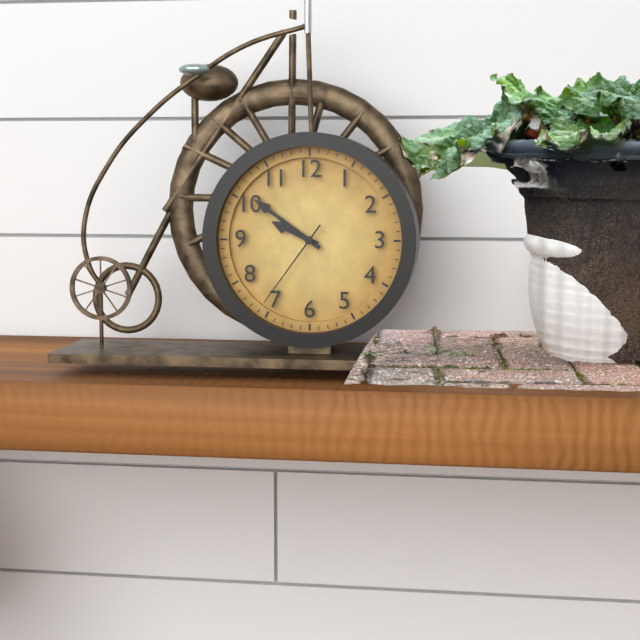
9h51m36s
